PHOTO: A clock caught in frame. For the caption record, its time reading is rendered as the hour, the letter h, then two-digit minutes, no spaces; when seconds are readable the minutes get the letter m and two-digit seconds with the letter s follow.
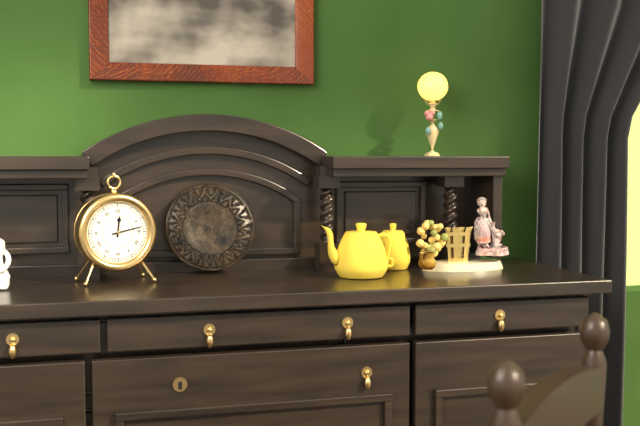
12h13
